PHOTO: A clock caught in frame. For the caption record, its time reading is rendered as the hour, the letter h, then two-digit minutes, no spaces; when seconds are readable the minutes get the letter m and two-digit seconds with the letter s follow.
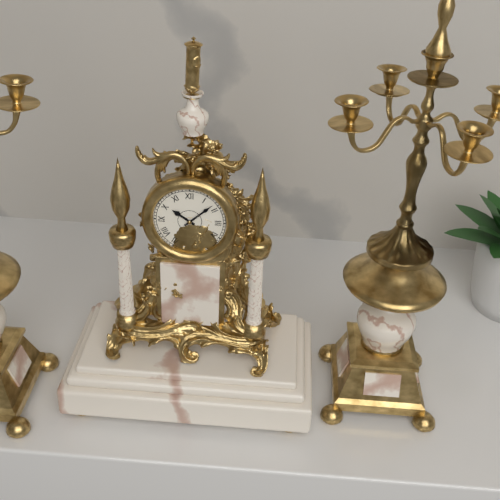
10h08
